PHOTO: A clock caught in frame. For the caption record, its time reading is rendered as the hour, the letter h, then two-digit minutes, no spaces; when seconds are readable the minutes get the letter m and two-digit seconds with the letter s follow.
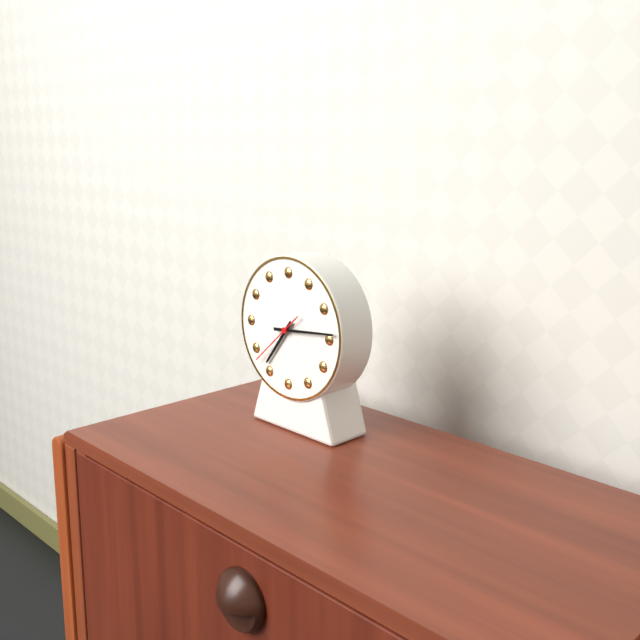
7h14m38s
